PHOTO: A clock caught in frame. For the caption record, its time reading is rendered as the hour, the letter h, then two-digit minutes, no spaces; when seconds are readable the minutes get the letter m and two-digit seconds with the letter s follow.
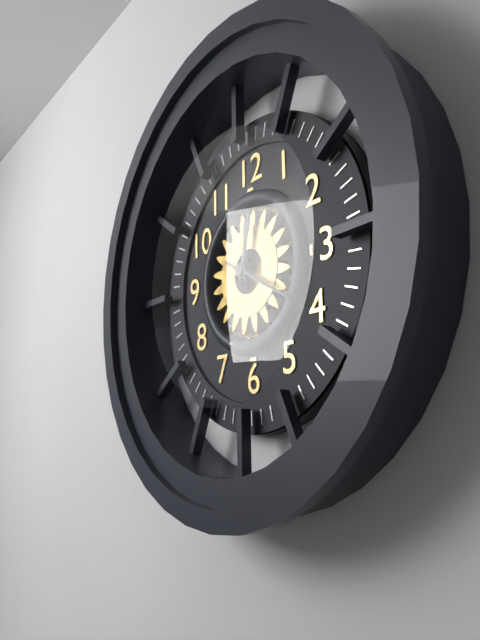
12h20
